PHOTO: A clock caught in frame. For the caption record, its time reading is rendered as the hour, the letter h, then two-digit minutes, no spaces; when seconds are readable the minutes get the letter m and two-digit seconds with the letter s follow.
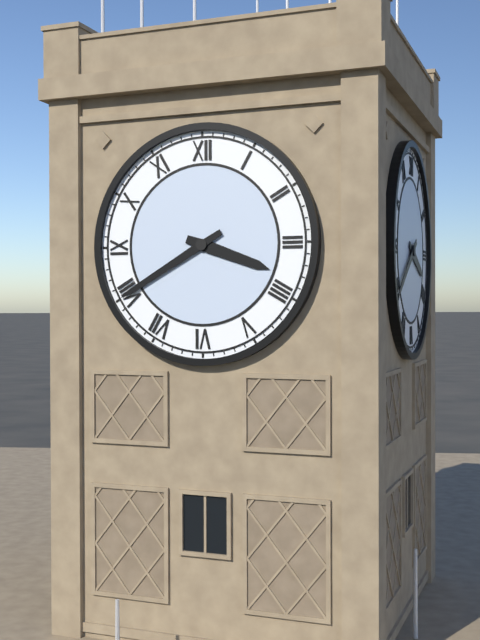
3h40
